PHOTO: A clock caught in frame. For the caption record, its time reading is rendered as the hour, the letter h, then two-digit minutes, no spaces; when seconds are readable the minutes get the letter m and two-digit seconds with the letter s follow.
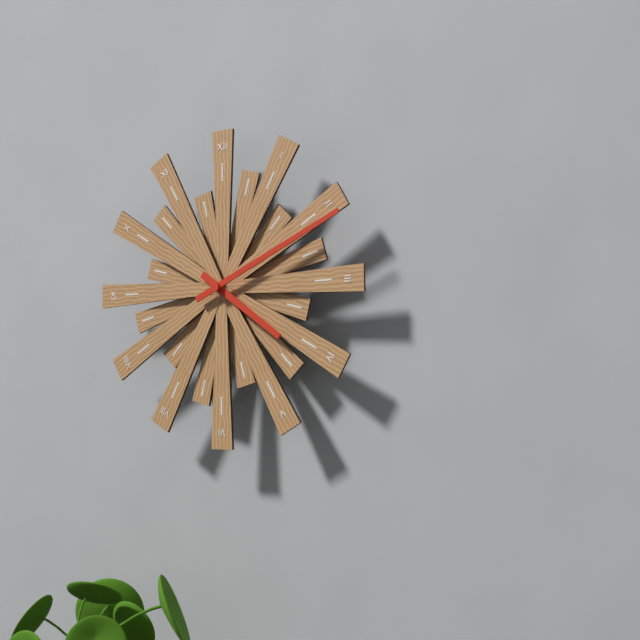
4h11
